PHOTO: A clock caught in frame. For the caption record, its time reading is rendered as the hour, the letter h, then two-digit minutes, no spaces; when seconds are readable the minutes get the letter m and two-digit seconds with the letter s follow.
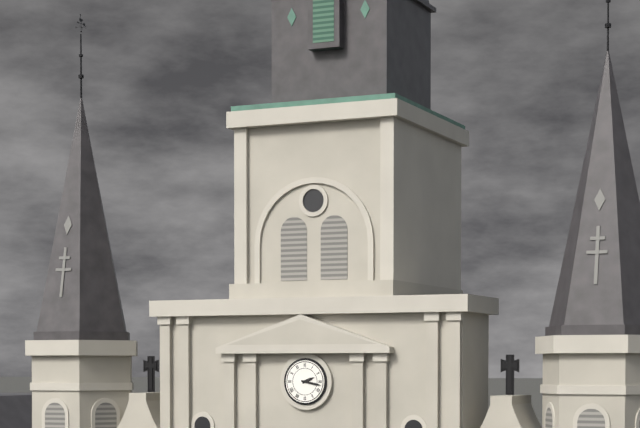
2h17
